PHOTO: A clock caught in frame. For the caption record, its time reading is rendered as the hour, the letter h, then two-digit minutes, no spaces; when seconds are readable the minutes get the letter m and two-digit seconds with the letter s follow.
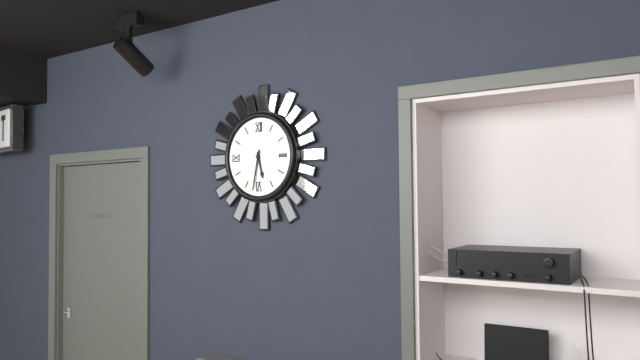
5h32
